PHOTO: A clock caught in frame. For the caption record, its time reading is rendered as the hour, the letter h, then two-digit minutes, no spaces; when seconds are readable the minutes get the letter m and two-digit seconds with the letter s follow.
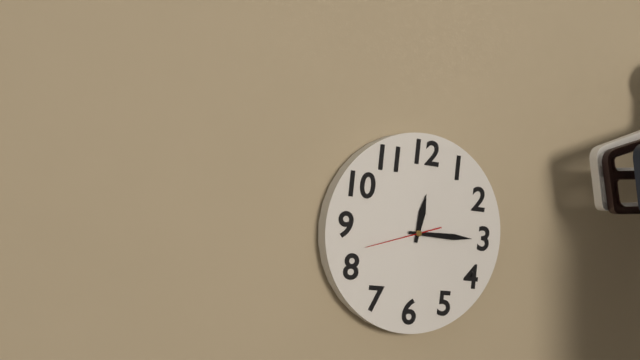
12h15m42s
